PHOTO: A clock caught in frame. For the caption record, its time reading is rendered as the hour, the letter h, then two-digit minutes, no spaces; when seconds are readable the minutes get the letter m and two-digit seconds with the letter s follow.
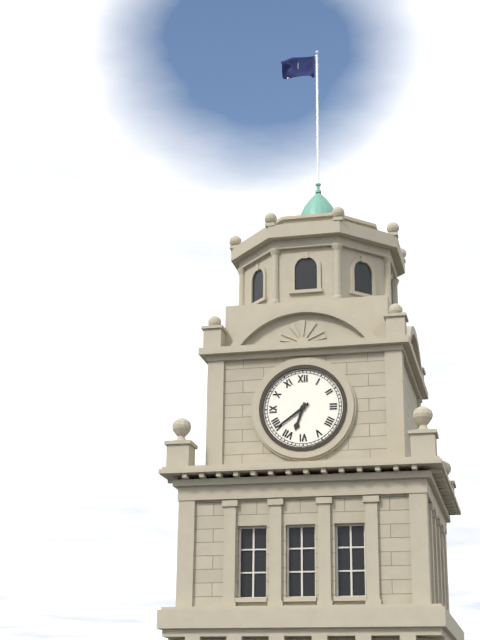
6h39
